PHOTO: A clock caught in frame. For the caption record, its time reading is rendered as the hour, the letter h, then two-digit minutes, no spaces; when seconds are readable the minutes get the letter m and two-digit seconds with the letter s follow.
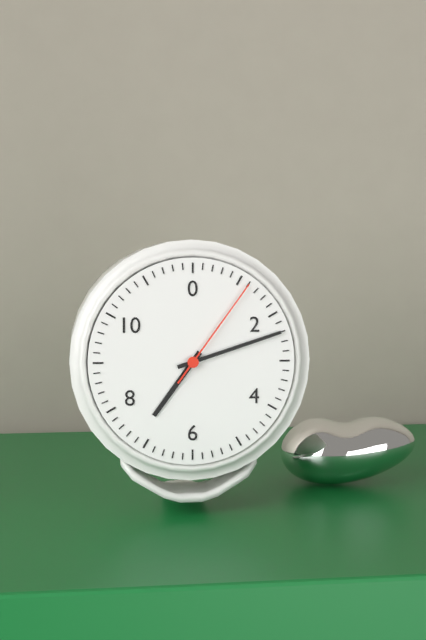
7h12m06s
